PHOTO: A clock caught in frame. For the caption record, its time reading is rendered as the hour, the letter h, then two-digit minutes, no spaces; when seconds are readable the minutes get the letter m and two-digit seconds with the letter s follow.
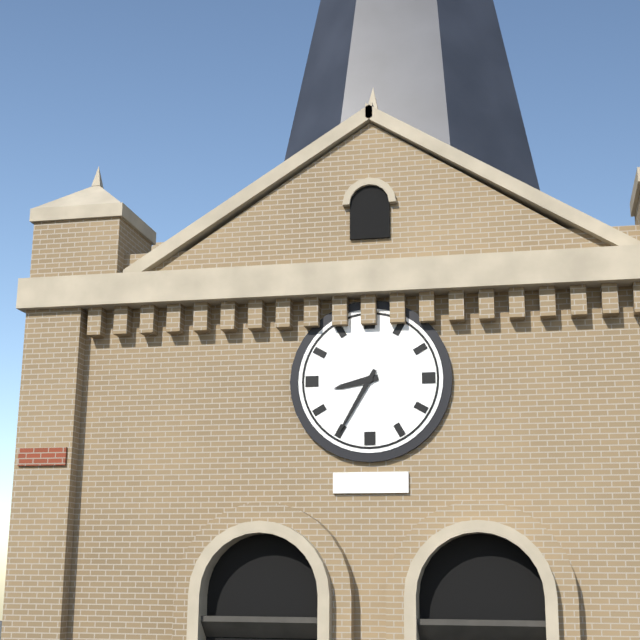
8h35
